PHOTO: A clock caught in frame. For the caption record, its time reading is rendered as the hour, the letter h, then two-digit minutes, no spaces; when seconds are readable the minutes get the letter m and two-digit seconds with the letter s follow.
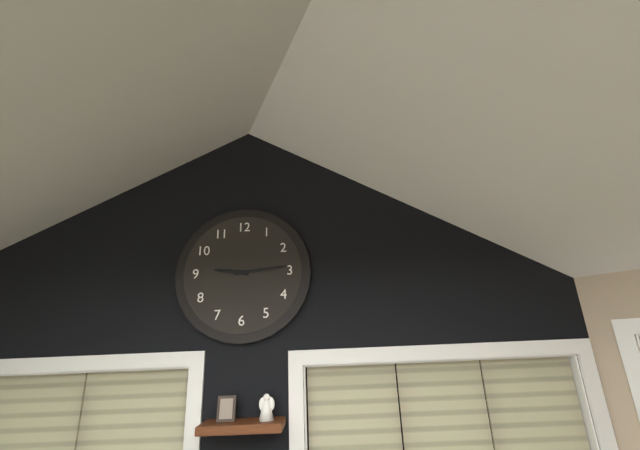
9h14
